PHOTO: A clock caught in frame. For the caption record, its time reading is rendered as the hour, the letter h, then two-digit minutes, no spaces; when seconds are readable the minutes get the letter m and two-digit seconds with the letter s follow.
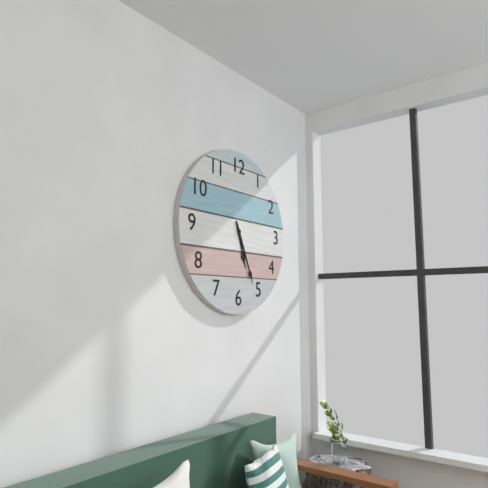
5h26
